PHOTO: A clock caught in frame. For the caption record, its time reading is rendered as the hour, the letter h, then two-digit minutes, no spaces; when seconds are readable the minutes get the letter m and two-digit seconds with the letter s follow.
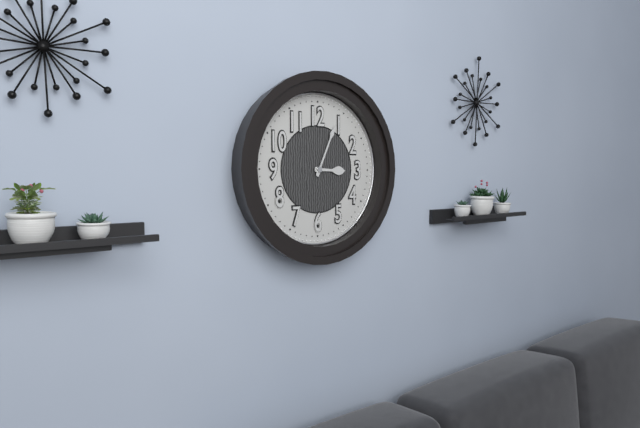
3h04
